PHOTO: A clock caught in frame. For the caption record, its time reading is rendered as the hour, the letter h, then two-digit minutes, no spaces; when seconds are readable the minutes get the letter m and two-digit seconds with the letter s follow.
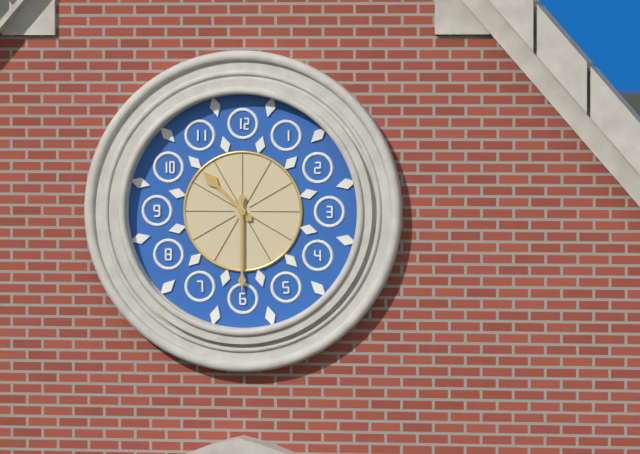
10h30
